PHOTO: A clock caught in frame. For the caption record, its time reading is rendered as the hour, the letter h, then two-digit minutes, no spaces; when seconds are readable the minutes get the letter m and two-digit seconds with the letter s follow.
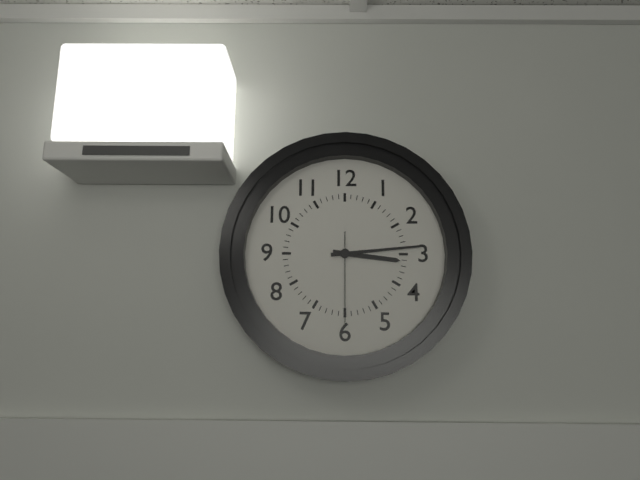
3h14m30s
